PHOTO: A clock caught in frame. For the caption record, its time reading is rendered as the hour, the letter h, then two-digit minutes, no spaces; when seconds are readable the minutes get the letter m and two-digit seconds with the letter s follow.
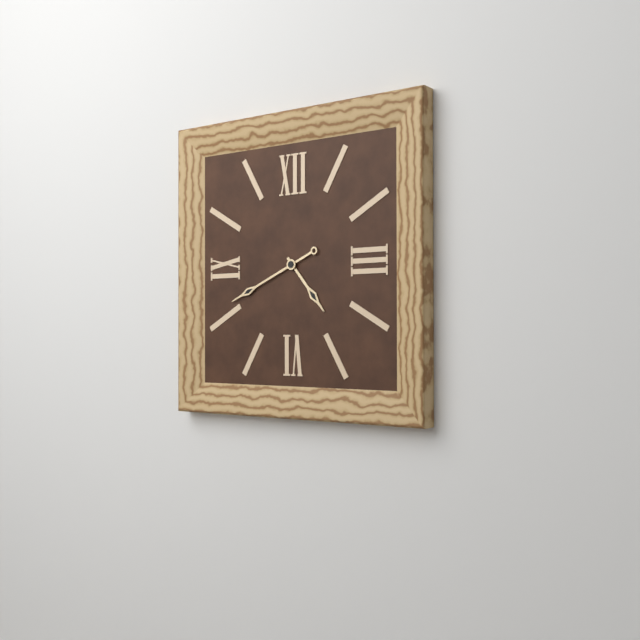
4h41
